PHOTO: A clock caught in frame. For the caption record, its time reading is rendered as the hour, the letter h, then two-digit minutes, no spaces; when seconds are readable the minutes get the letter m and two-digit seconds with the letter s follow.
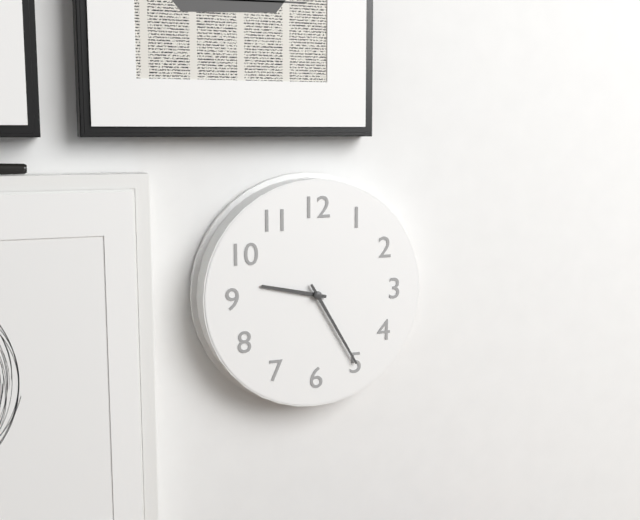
9h25
